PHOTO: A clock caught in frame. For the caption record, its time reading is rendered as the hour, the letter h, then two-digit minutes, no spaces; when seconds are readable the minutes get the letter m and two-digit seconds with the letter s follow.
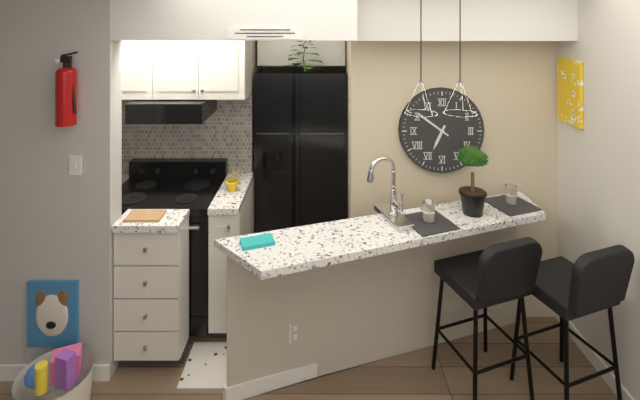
6h51
